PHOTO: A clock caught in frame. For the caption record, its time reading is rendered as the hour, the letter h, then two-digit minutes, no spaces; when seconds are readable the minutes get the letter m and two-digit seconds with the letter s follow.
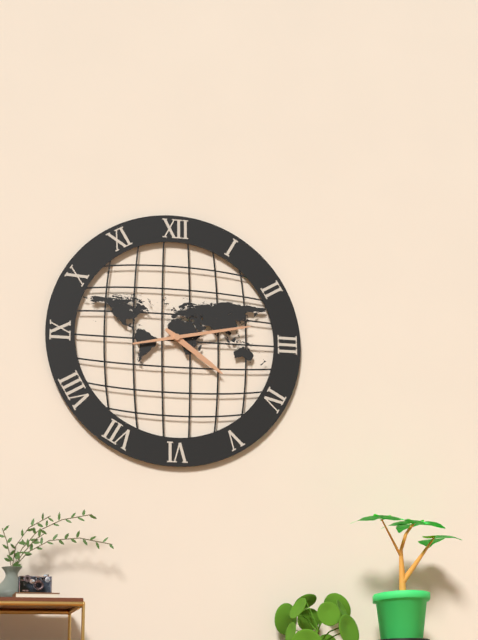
4h13
